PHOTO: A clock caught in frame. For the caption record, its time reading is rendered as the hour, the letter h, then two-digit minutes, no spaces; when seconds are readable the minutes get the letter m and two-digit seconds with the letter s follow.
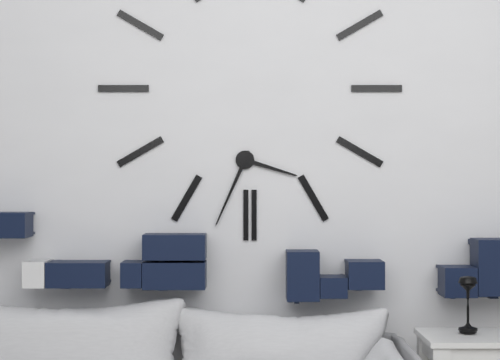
3h34
